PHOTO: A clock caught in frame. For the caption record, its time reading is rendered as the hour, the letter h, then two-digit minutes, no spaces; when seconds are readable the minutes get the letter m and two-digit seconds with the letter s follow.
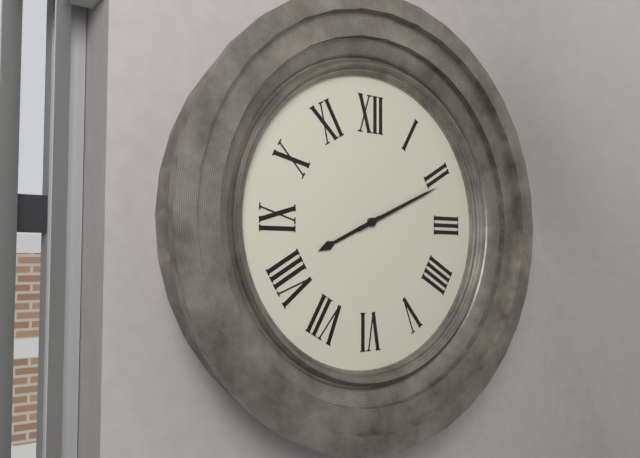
8h11
